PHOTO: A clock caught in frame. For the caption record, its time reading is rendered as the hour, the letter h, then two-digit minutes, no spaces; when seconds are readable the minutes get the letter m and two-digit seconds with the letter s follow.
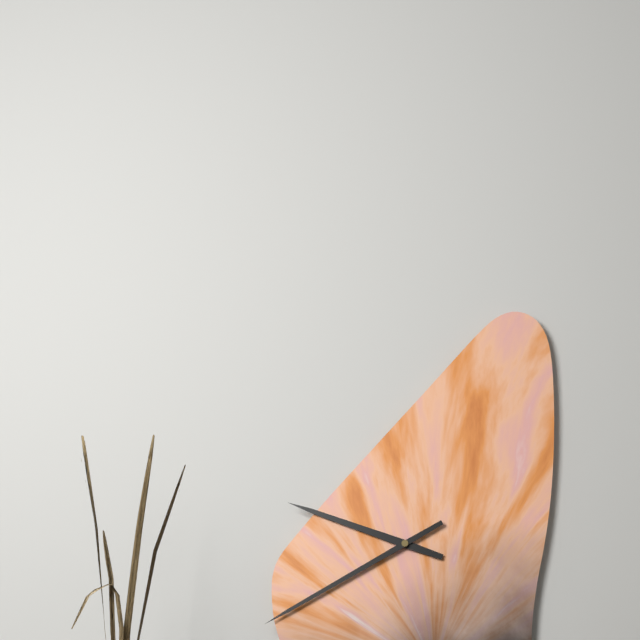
9h40
